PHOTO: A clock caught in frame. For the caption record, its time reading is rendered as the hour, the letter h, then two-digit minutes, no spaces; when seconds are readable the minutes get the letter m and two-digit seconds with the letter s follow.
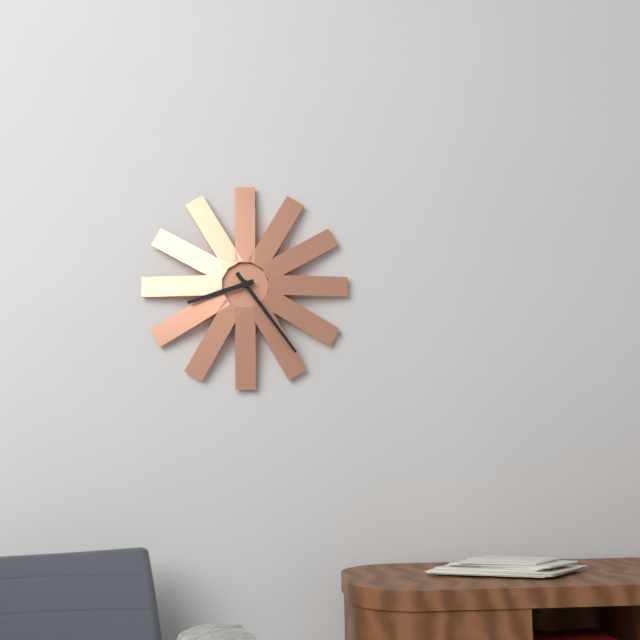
8h24
